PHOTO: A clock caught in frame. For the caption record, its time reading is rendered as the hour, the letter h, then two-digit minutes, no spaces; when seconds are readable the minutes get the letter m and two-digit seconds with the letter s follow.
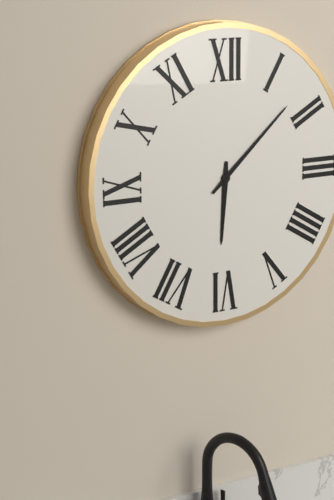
6h08
